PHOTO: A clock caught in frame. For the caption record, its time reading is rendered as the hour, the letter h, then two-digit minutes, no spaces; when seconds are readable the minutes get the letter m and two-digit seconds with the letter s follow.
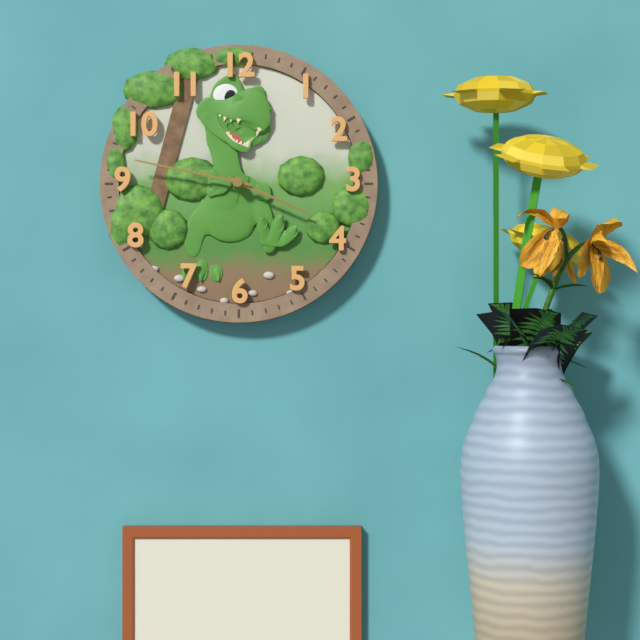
3h47
